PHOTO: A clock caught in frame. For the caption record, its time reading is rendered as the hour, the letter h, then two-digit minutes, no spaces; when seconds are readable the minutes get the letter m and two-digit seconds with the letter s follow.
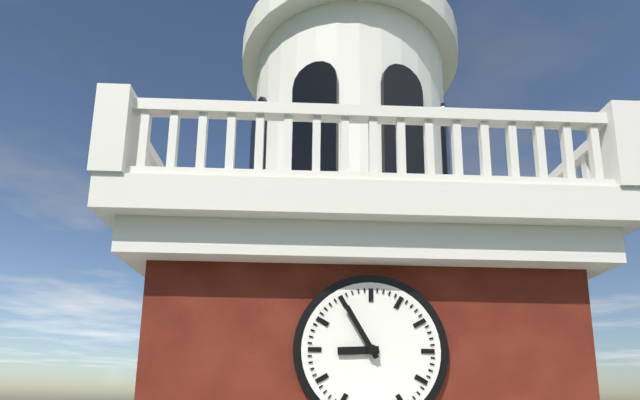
8h55
